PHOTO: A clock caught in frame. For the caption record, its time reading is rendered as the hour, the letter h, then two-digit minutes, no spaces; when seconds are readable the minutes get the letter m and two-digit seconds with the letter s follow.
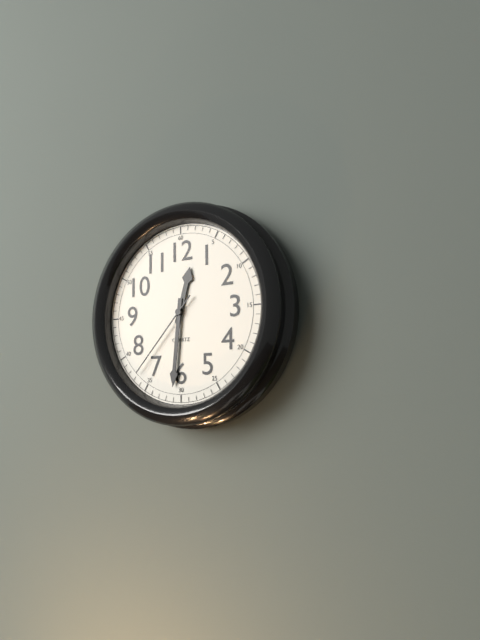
12h31m37s
